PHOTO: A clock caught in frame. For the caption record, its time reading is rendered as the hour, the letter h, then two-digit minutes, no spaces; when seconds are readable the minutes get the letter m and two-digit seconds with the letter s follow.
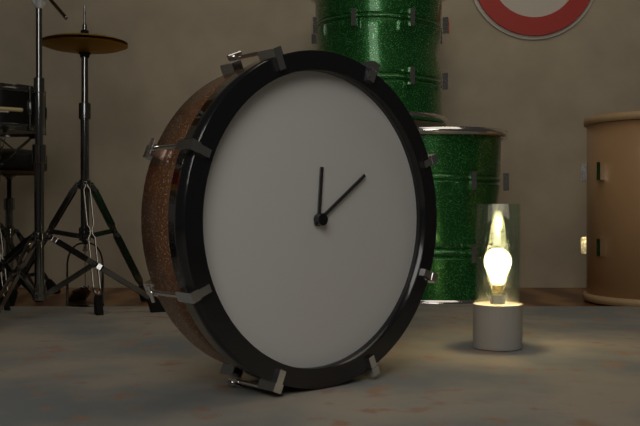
12h09
